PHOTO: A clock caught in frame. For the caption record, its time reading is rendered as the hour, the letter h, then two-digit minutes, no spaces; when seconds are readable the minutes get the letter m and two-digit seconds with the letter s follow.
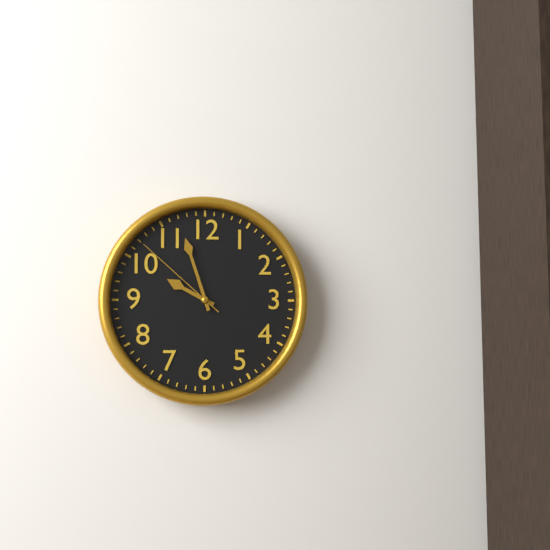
9h57m52s
